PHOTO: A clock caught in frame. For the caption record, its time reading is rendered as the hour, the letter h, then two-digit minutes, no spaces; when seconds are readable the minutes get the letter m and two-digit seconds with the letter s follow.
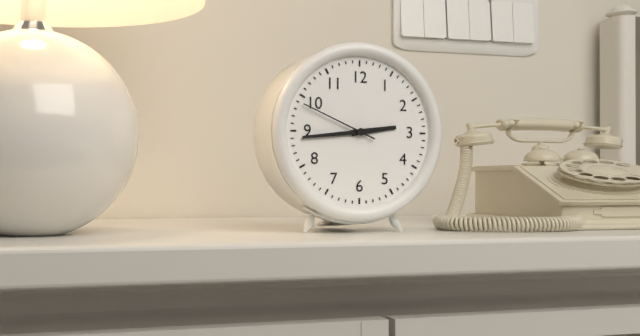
2h44m49s
